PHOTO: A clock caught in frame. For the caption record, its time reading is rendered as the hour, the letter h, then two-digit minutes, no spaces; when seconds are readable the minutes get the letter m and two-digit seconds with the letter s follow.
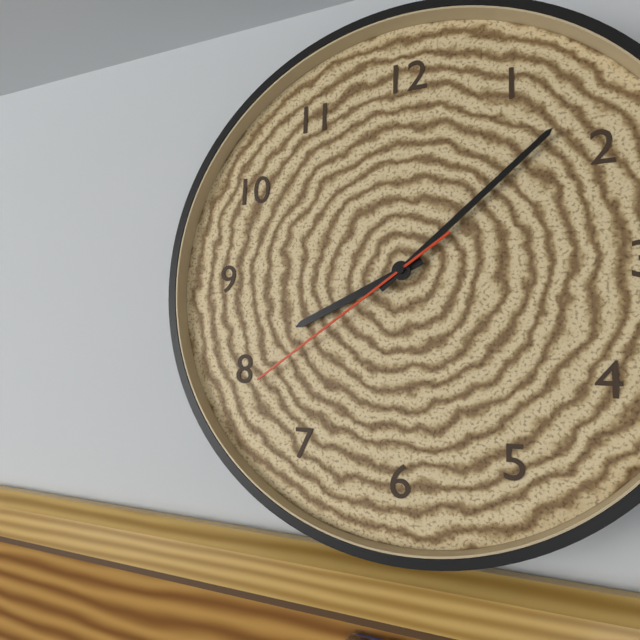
8h08m39s
